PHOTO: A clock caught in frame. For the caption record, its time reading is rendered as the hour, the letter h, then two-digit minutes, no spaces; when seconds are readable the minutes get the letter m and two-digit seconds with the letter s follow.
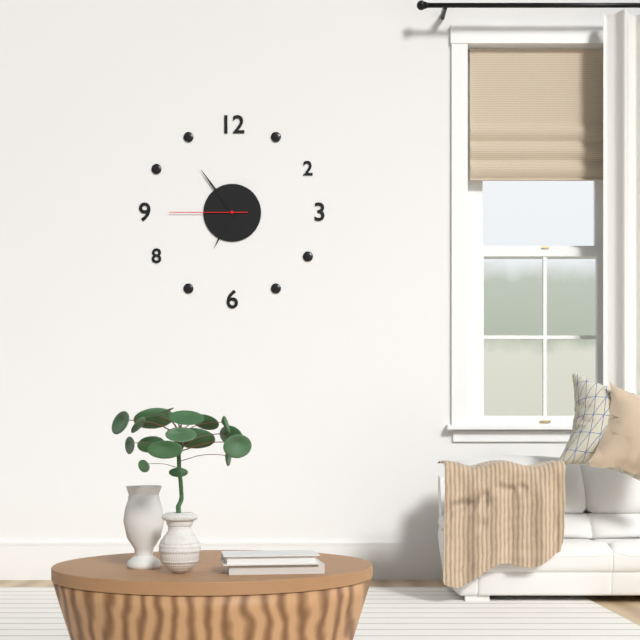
6h54m45s
